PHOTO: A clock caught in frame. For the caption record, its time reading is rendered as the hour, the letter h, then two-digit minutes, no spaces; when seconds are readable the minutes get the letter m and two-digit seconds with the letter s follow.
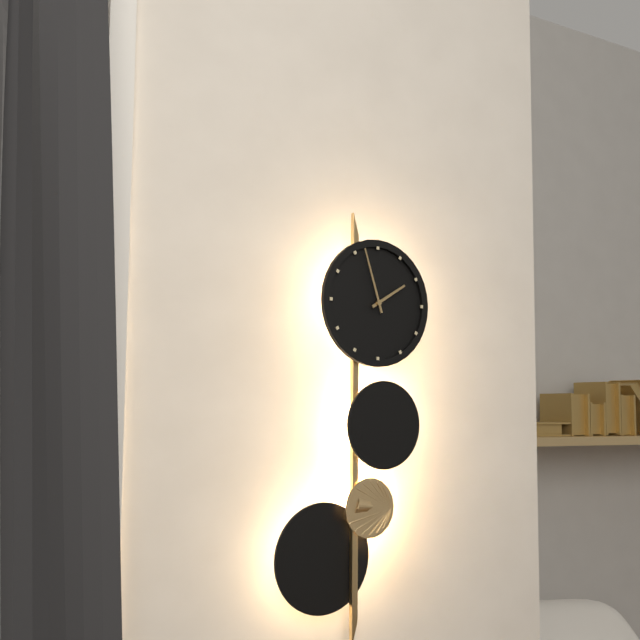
1h57
